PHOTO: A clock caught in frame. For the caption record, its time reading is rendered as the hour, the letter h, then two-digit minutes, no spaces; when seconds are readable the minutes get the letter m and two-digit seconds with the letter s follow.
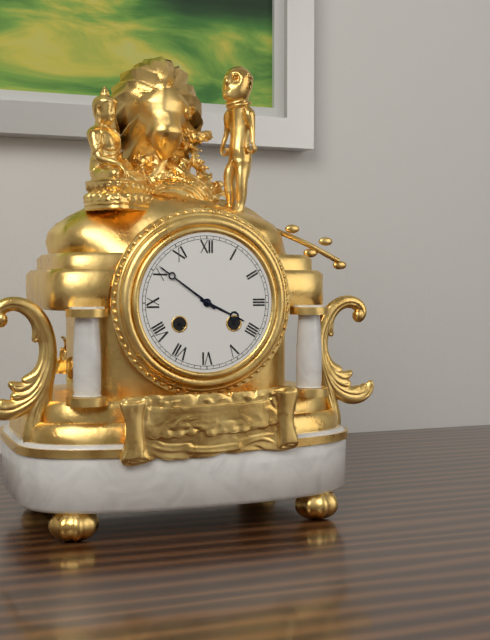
3h51
